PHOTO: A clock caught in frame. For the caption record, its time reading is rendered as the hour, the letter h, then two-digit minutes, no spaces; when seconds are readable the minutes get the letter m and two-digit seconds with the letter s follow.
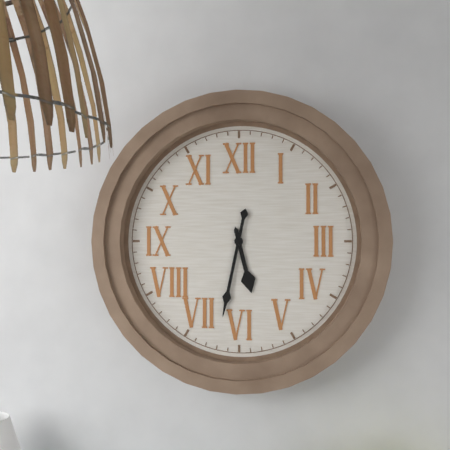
5h32
